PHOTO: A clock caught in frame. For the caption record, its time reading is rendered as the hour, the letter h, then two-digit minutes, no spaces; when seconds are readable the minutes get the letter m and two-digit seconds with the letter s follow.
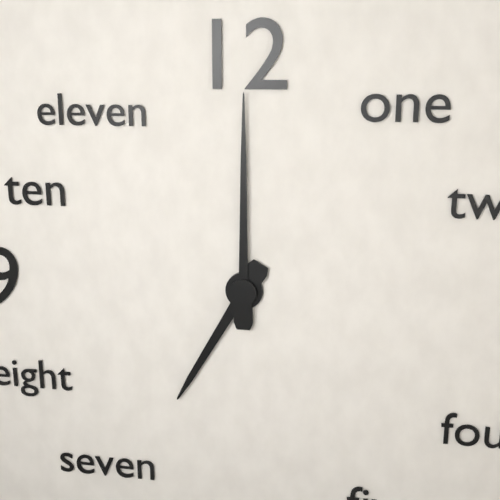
7h00
